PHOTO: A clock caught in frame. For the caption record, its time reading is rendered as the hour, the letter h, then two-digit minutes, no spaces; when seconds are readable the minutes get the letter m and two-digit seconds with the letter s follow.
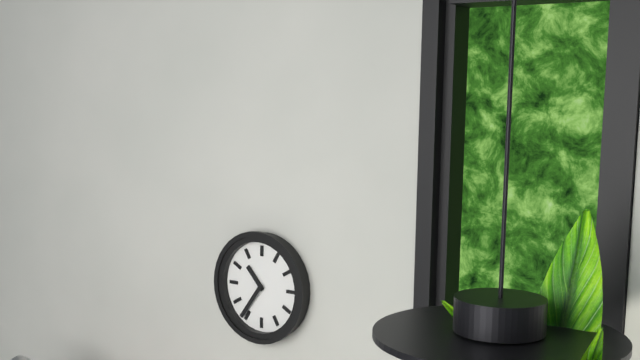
10h36
